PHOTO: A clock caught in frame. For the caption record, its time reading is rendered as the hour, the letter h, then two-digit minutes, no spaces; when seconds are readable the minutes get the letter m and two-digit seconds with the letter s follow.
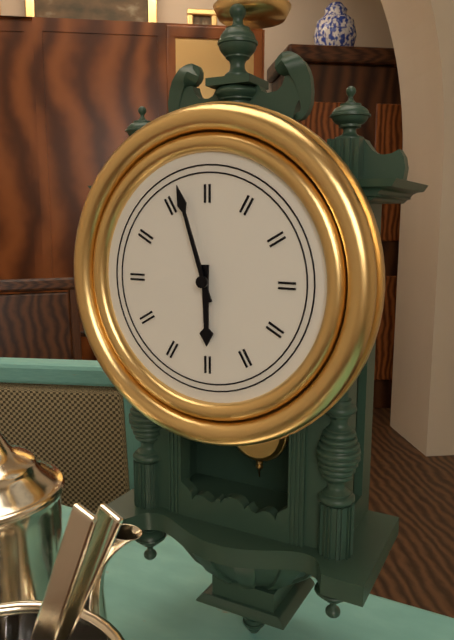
5h57
